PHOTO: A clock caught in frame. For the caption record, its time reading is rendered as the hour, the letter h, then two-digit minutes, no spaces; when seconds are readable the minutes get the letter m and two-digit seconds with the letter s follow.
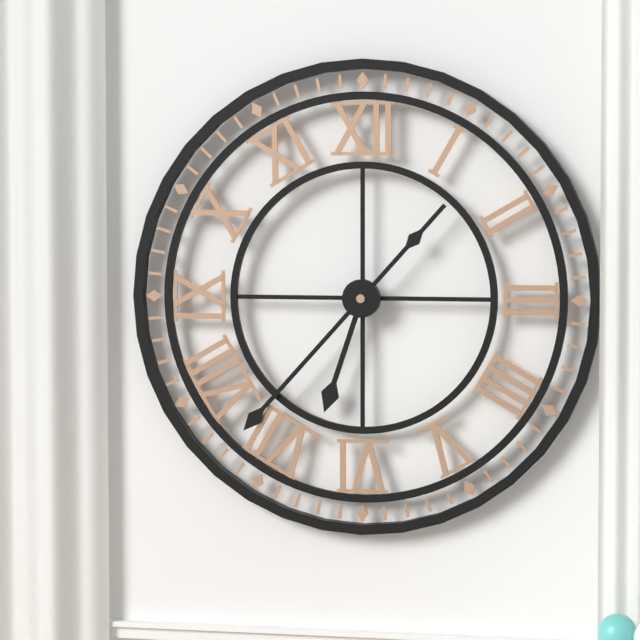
6h37
